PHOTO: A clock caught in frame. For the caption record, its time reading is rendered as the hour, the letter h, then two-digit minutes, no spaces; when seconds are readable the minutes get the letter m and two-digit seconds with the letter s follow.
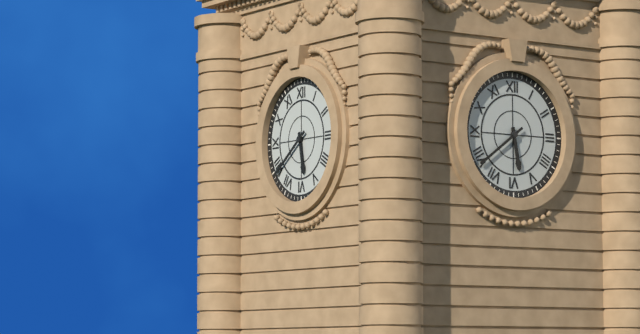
5h39
